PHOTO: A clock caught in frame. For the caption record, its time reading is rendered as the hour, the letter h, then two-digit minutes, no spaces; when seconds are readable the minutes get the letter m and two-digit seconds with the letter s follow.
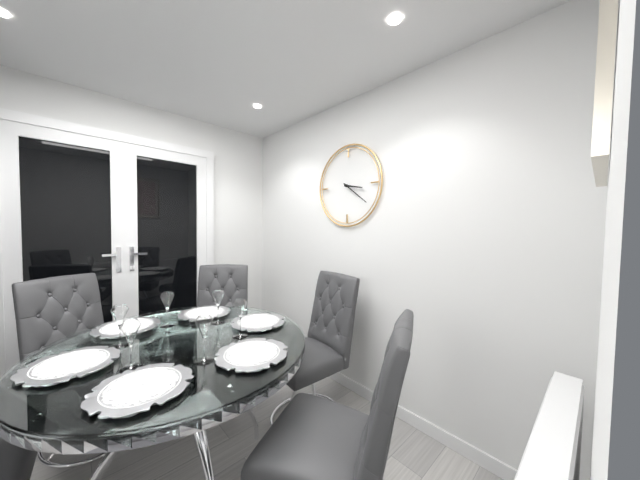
3h21
